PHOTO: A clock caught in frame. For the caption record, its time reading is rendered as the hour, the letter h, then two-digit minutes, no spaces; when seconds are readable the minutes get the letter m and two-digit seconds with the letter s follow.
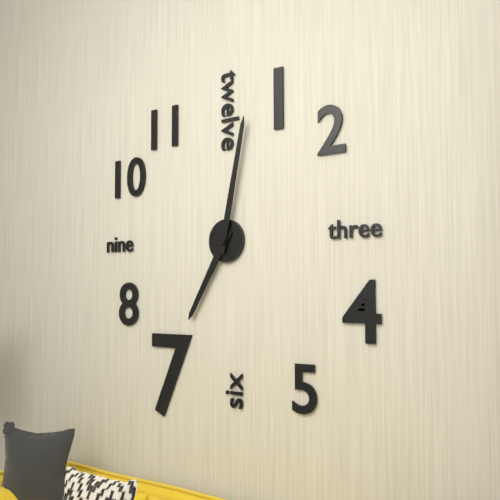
7h02
